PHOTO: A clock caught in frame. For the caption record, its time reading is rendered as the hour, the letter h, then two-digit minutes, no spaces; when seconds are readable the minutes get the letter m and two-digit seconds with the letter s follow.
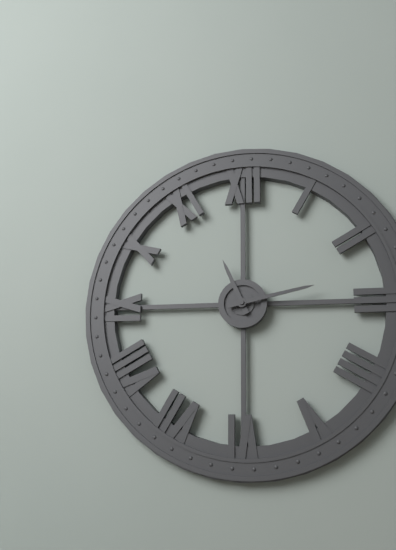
11h13
